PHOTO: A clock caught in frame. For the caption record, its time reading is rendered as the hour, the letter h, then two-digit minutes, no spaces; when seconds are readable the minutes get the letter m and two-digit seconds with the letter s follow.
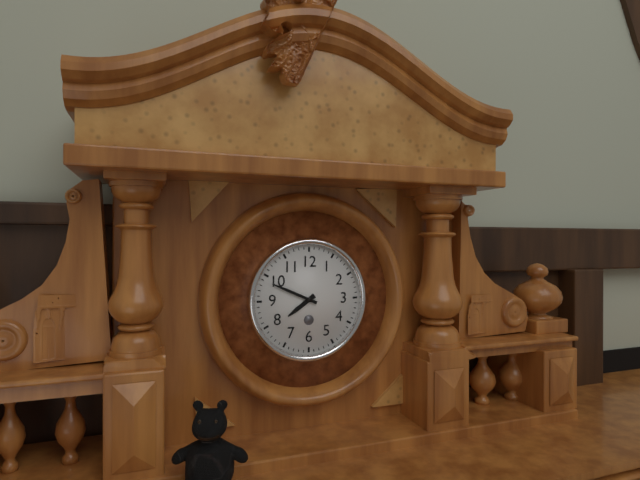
7h49
